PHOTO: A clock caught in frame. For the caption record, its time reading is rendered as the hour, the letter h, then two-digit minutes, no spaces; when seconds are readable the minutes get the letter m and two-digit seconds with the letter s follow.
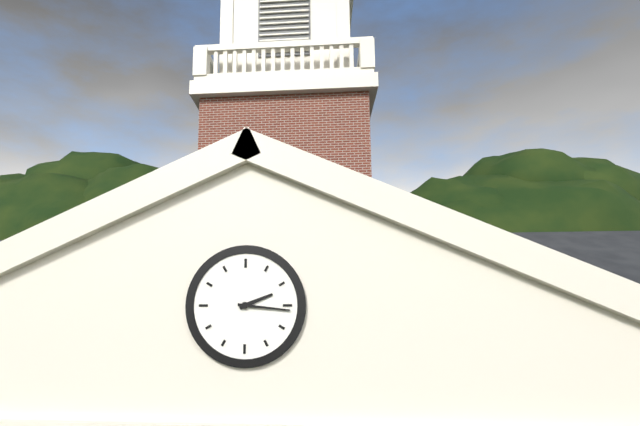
2h16
